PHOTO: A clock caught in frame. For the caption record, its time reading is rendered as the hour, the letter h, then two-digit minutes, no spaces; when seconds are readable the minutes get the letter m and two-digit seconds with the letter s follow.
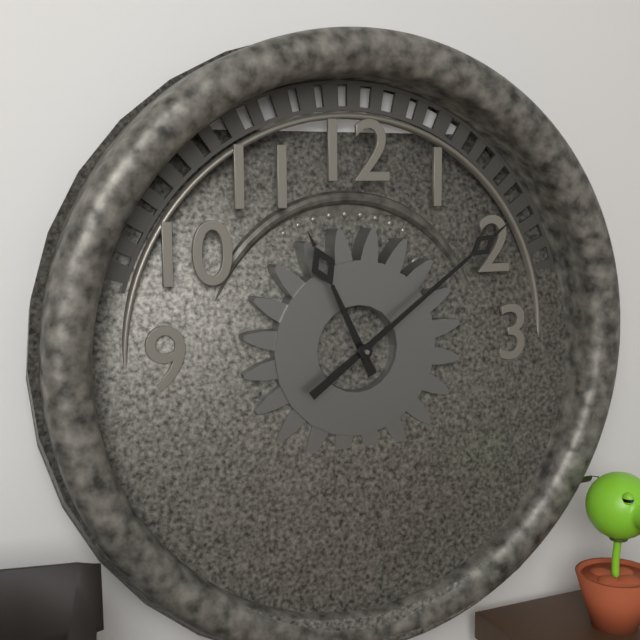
11h09
